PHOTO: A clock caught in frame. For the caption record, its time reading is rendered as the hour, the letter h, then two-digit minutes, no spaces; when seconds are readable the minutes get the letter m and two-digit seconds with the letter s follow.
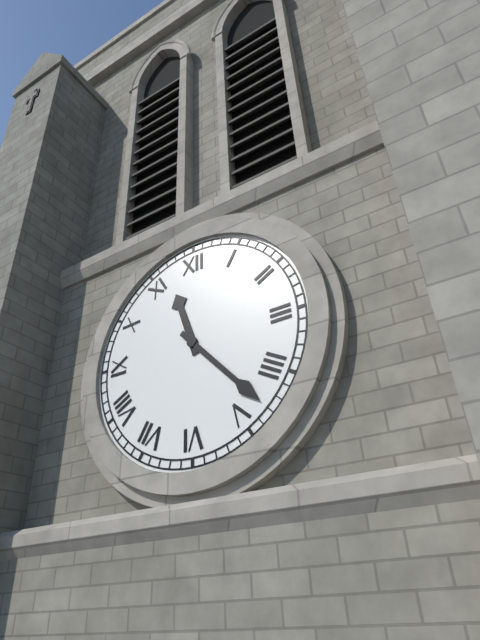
11h23
